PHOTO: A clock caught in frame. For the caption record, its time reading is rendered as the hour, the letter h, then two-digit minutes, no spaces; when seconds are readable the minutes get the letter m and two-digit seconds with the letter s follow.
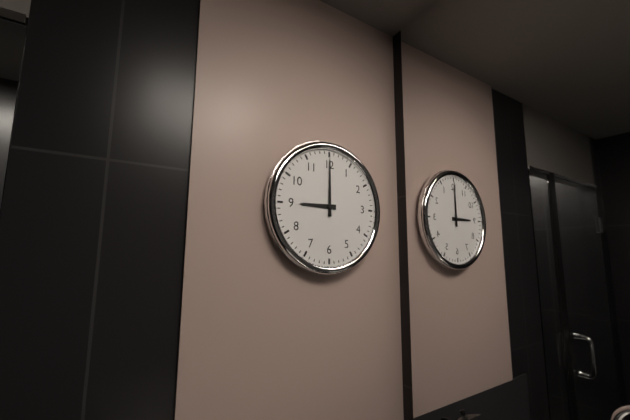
9h00
